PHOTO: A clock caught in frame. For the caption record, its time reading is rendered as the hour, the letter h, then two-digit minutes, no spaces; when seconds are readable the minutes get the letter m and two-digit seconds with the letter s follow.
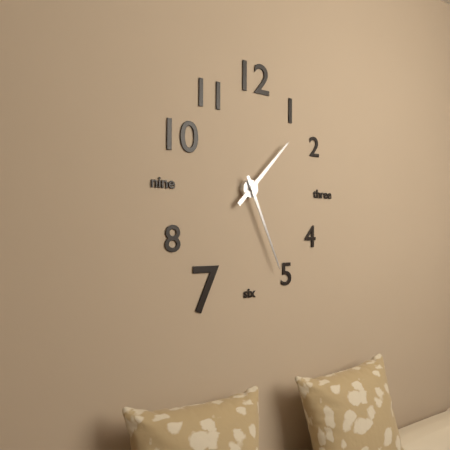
1h26
